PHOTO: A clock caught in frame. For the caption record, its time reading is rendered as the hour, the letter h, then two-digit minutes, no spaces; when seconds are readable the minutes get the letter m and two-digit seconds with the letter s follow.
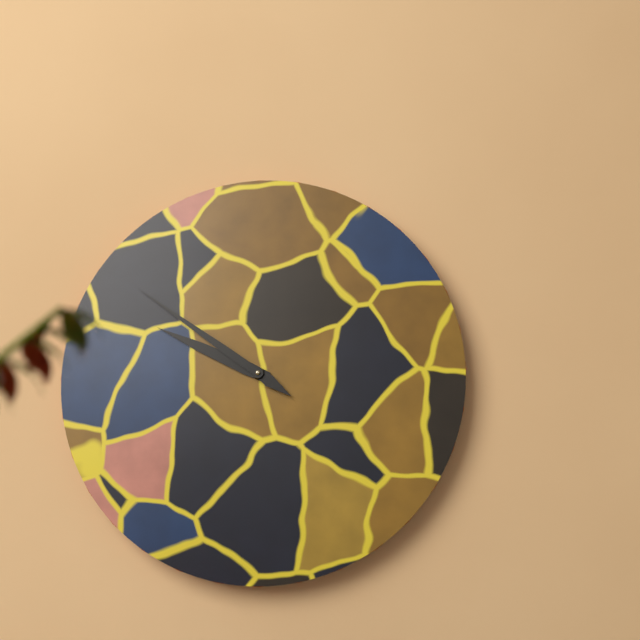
9h51
